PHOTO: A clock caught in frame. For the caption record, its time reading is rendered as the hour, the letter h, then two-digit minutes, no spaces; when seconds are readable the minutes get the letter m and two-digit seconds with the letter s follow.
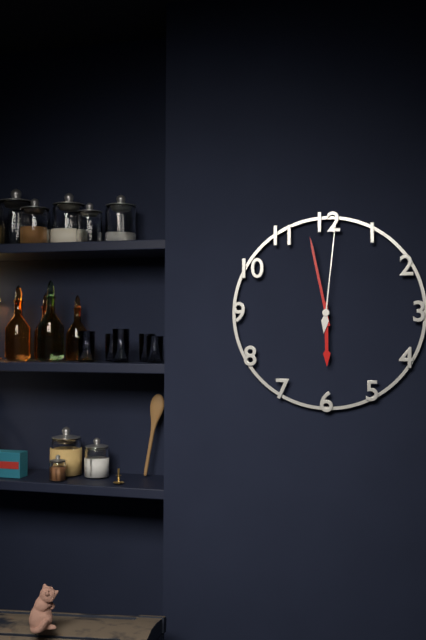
5h58m01s
